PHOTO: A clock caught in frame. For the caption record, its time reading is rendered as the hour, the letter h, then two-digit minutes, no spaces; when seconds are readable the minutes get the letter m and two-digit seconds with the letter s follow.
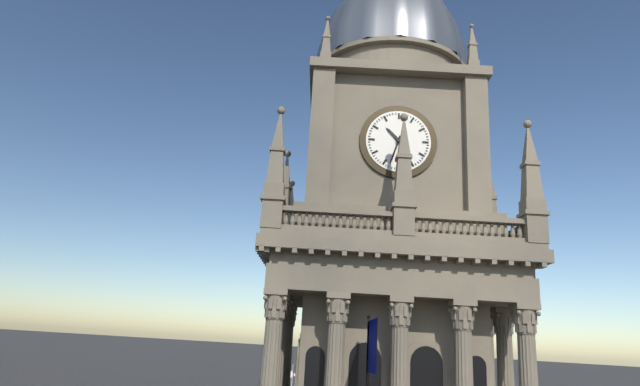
10h33
